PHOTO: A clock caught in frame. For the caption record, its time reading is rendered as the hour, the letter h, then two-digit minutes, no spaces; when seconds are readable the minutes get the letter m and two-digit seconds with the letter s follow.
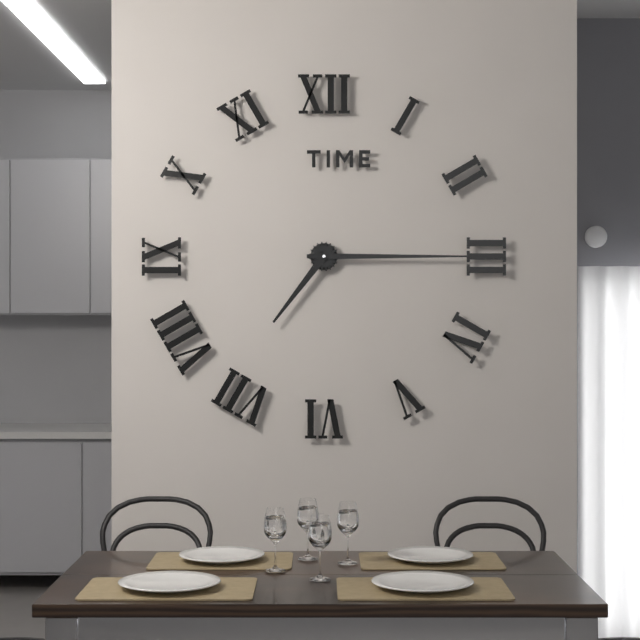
7h15
